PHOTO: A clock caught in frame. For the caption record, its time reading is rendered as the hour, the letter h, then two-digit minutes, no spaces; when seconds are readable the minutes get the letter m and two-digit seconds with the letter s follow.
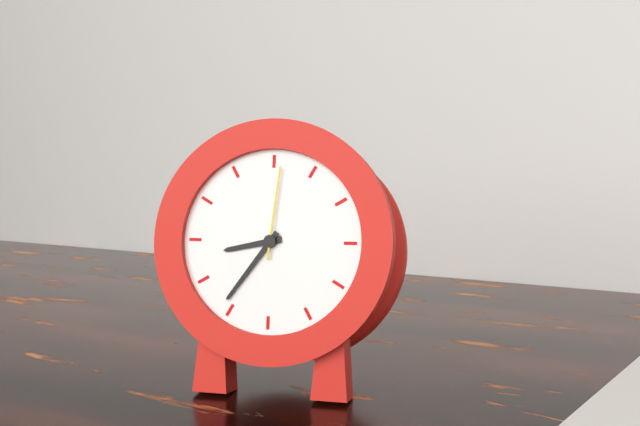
8h36m01s
